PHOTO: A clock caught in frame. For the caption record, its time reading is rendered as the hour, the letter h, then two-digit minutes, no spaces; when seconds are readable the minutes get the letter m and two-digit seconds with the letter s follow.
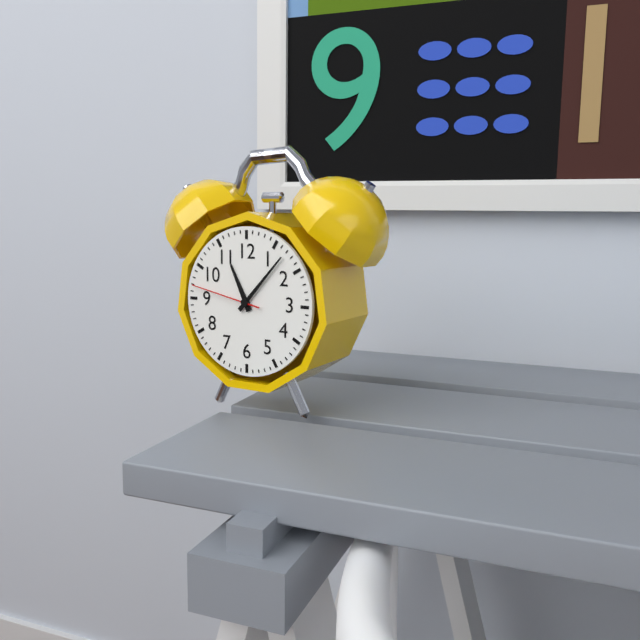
11h07m47s
